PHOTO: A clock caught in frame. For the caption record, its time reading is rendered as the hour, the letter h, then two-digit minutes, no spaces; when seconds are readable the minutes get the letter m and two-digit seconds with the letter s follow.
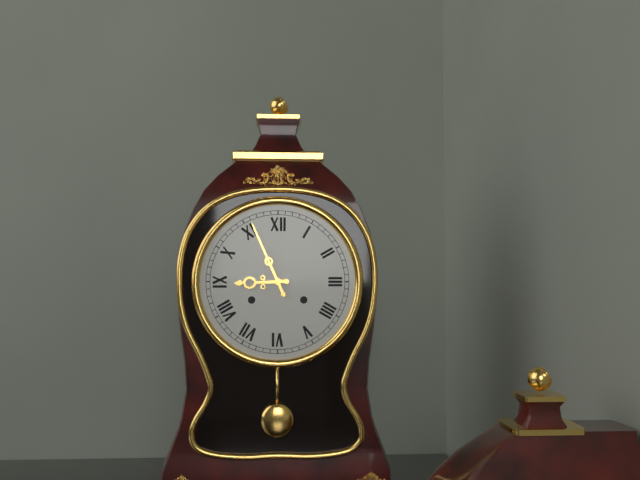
8h56
